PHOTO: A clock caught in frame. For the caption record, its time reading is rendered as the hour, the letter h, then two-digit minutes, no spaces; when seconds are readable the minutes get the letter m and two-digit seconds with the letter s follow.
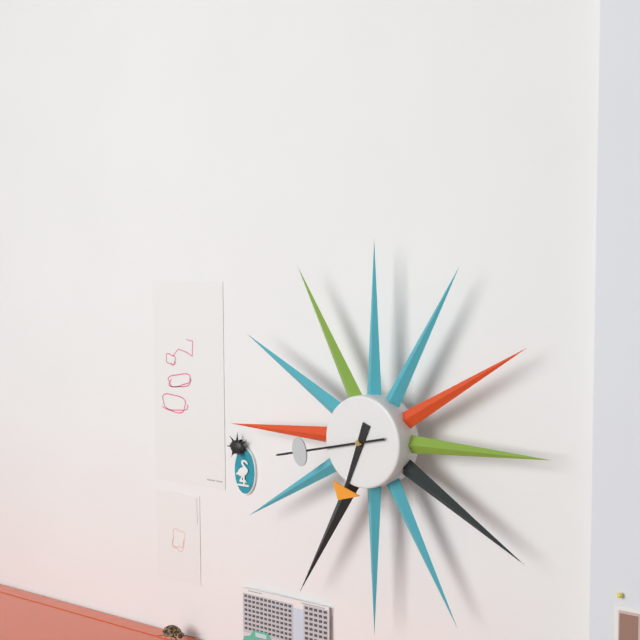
6h43
